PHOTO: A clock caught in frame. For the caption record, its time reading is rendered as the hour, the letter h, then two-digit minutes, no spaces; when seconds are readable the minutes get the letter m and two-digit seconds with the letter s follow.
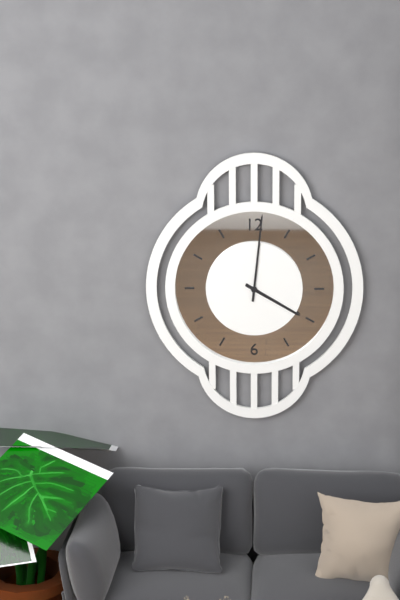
4h01
